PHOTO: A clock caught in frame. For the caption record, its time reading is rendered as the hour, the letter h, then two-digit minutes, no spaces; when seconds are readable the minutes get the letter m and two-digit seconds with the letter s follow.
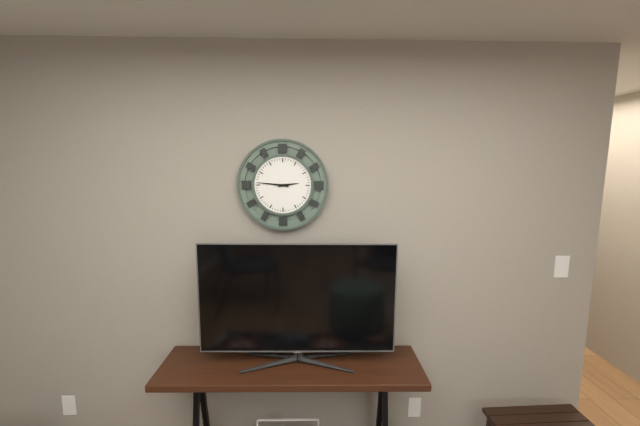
2h46
